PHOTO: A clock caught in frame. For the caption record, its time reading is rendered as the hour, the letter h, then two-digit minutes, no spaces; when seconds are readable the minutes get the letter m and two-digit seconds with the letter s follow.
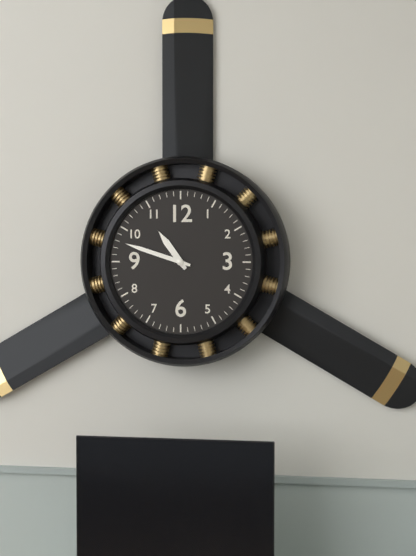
10h48
